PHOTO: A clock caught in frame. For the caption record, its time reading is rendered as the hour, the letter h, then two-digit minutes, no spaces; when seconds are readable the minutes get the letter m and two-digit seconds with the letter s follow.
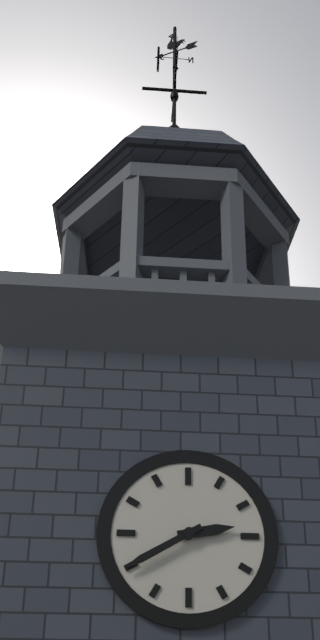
2h40
